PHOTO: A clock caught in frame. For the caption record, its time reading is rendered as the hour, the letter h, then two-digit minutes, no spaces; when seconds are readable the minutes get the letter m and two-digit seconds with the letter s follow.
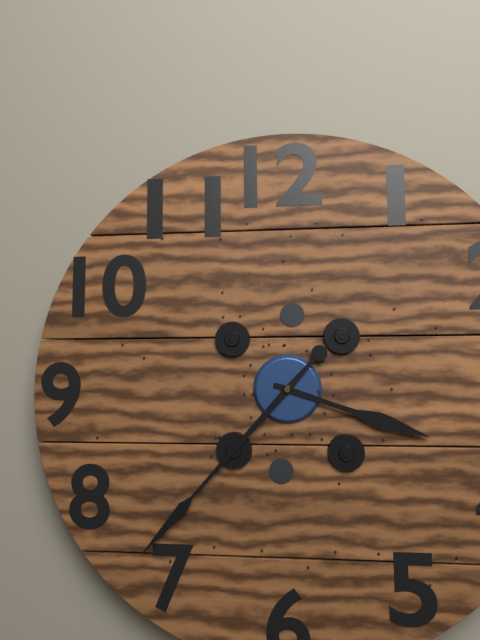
3h37
